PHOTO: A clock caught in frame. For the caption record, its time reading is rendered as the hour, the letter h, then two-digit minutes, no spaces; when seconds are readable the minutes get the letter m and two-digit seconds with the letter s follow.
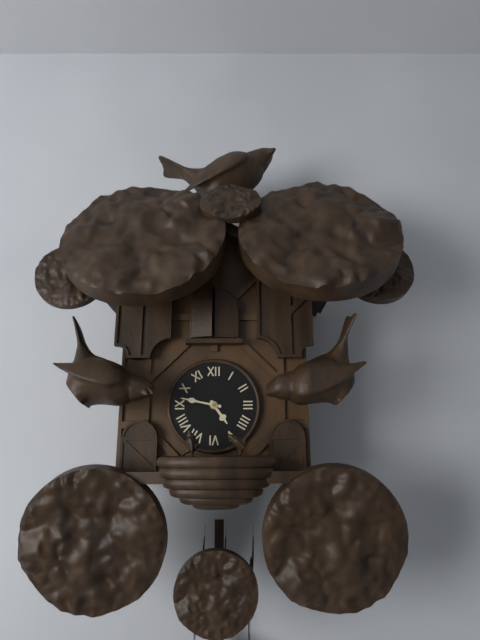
4h47
